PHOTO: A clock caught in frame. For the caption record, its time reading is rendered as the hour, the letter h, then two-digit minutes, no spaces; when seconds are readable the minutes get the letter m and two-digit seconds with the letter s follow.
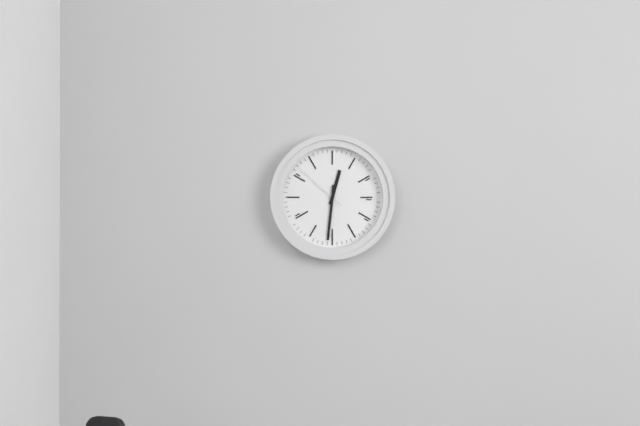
12h31m52s
